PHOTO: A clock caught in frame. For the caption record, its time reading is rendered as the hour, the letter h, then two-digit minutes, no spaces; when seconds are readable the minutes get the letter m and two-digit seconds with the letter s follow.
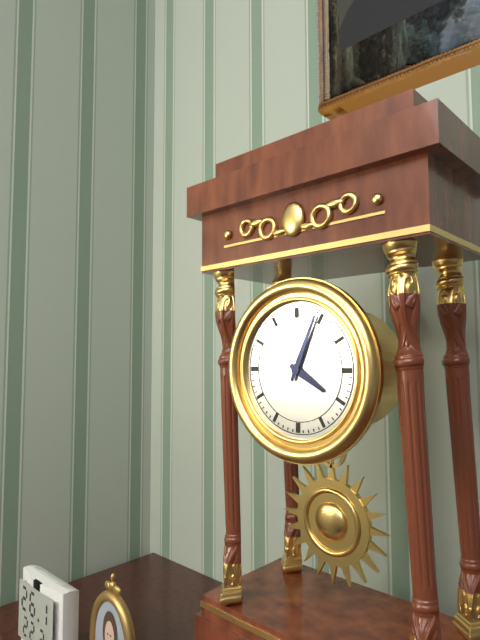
4h04
